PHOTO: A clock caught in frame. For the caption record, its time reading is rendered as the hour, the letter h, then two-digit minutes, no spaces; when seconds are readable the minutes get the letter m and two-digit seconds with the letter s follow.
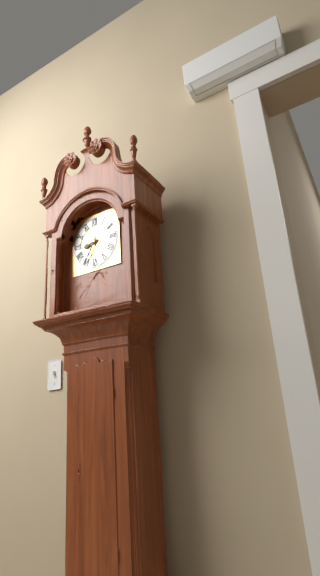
8h35
